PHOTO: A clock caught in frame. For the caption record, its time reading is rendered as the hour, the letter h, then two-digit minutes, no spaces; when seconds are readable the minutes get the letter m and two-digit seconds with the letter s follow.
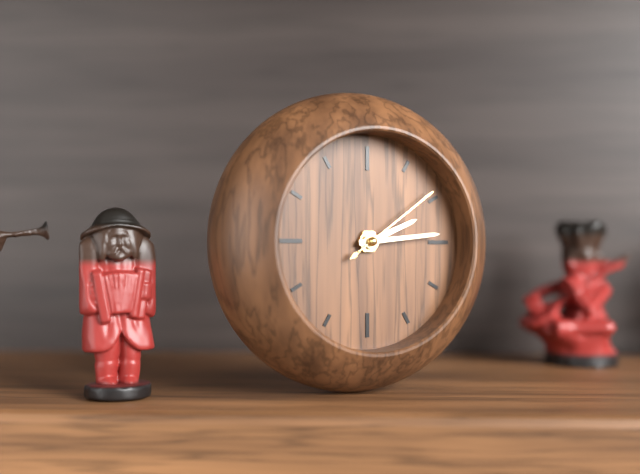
2h14m09s
